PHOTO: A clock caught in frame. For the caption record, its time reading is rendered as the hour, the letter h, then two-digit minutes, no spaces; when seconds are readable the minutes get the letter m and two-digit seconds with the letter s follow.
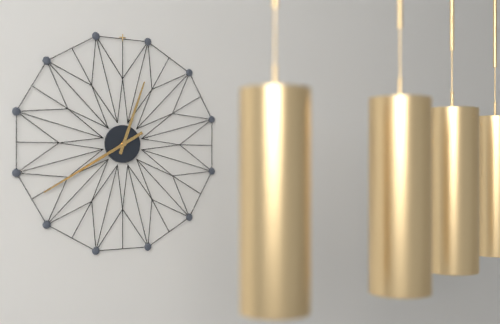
12h40
